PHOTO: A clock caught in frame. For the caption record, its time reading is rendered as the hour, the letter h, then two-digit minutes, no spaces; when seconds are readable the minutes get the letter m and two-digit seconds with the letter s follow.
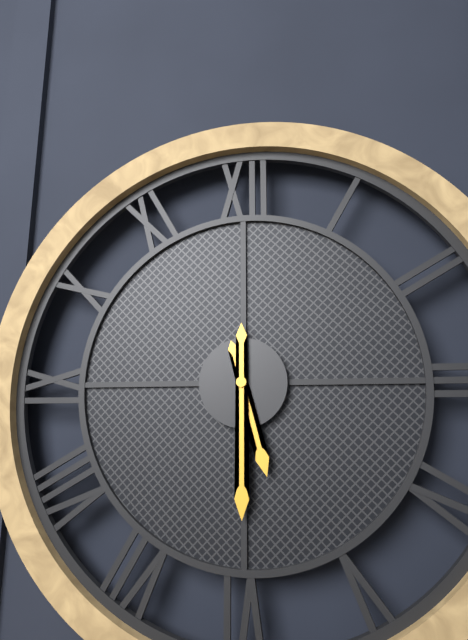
5h30
